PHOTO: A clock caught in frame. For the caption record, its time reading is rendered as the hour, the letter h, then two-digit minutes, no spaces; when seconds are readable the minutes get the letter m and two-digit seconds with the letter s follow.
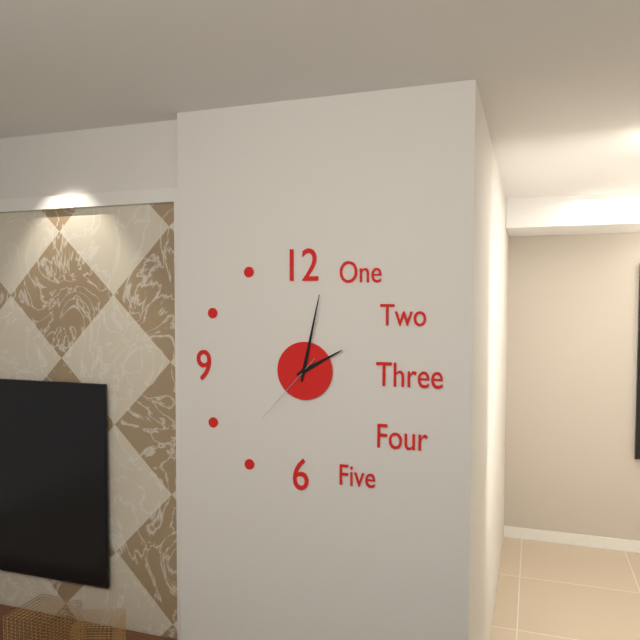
2h02m37s
